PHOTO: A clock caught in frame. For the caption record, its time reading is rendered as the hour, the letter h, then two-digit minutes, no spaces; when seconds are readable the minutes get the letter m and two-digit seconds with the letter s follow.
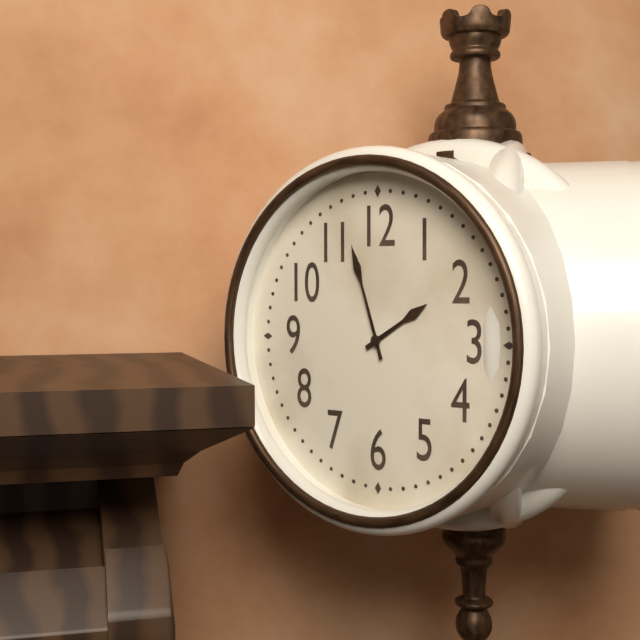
1h57
